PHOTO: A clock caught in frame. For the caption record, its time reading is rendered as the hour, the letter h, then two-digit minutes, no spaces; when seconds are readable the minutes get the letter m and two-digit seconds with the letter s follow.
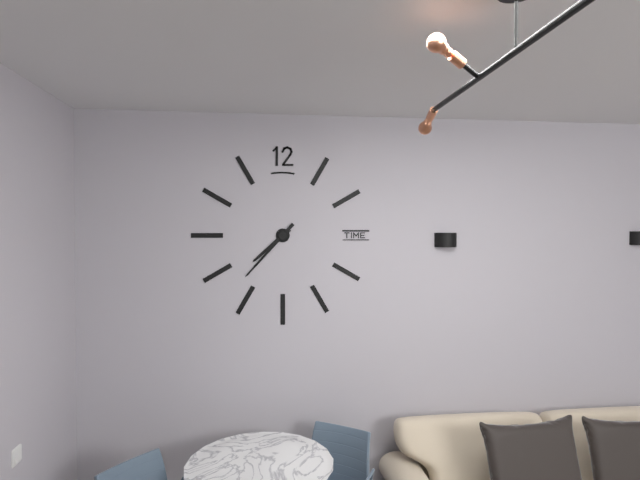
7h37
